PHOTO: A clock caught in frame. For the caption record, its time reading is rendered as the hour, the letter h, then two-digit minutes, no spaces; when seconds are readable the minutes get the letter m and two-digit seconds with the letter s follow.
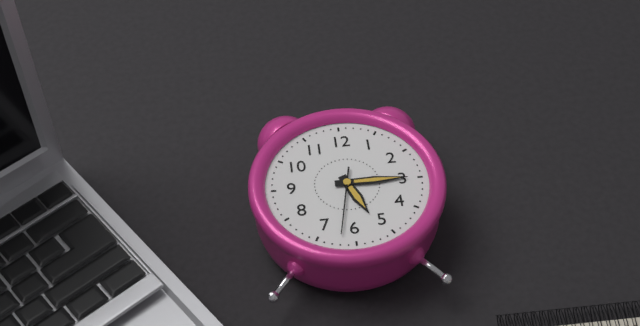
5h15m32s
